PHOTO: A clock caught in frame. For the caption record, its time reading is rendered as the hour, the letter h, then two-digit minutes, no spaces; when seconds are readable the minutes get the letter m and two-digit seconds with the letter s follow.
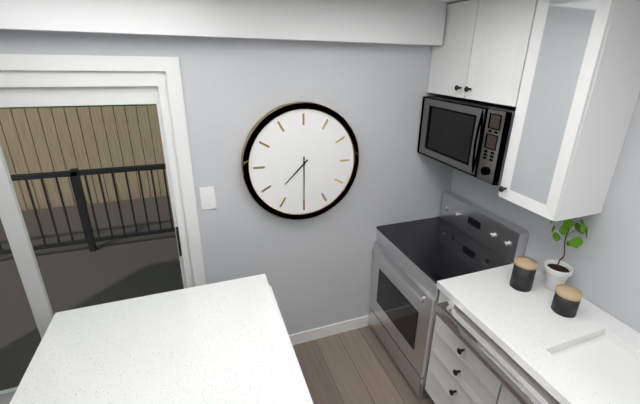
7h30
